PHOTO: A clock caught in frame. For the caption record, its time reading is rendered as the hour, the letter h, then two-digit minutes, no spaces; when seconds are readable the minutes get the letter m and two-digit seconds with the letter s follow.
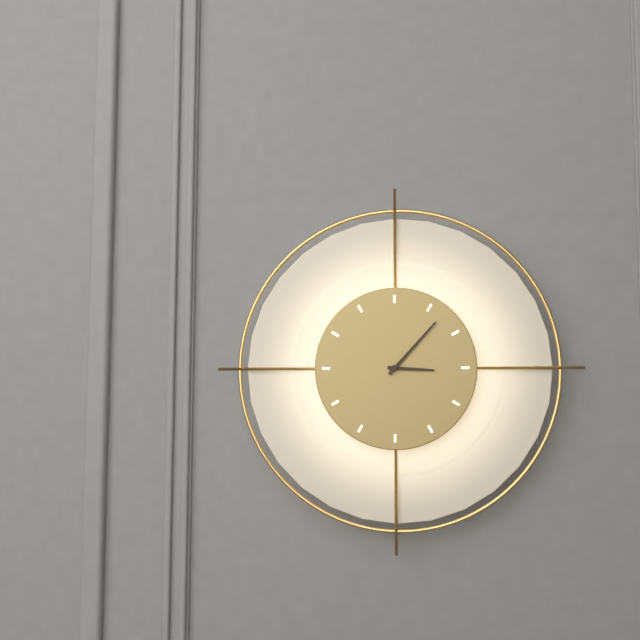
3h07
